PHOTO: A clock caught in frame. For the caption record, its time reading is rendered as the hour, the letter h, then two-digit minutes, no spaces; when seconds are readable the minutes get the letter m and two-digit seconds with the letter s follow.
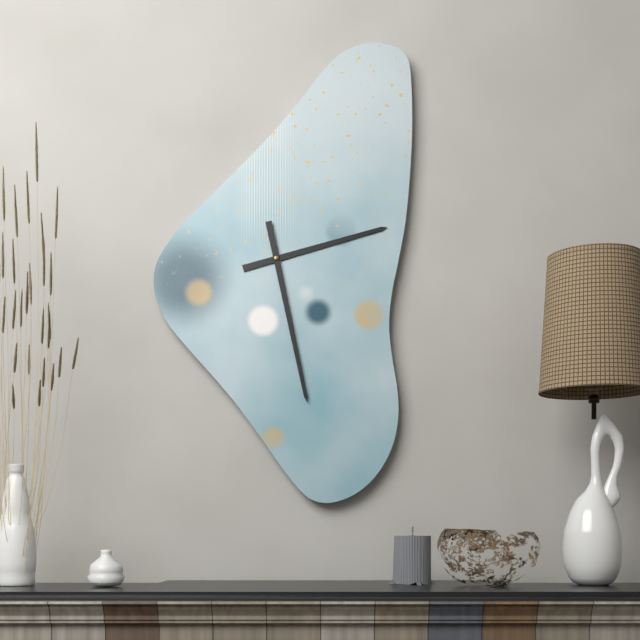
2h28
